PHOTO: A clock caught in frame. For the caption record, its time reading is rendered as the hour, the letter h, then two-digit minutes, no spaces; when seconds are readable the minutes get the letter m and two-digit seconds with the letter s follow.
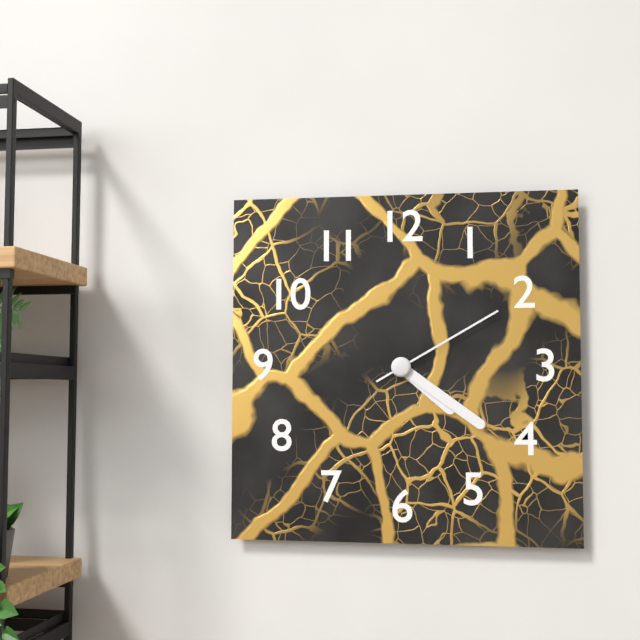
4h21m10s
